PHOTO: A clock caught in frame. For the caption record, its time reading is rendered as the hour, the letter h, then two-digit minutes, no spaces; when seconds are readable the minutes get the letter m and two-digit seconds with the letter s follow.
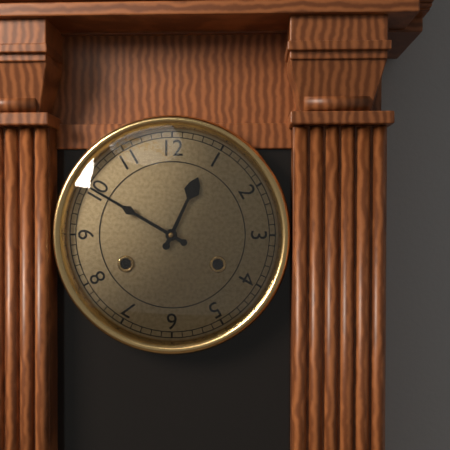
12h50
